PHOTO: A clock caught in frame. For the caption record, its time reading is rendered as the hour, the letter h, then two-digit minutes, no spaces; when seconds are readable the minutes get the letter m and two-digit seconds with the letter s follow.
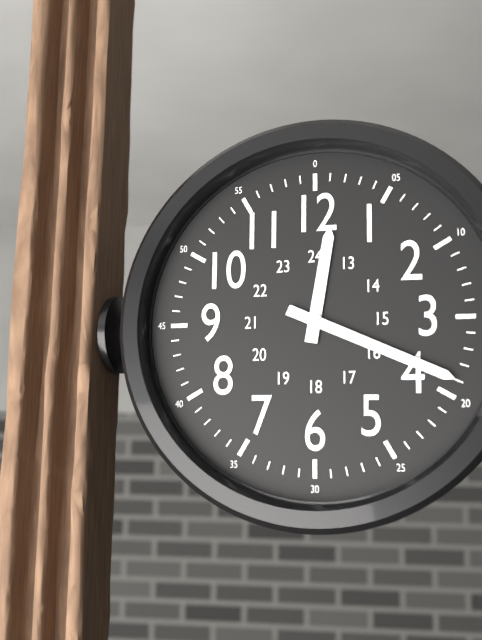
12h19
